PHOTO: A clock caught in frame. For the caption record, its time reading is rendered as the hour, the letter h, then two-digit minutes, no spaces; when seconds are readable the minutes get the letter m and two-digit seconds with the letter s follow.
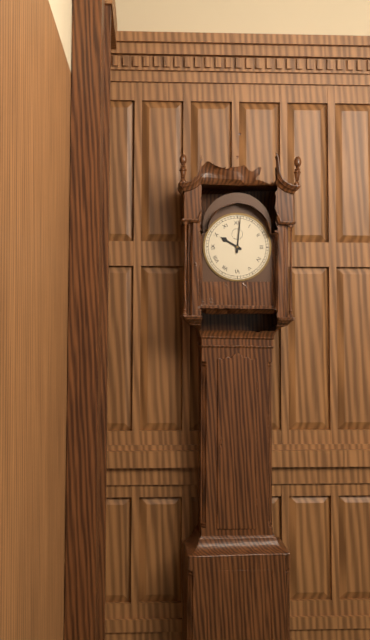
10h01
